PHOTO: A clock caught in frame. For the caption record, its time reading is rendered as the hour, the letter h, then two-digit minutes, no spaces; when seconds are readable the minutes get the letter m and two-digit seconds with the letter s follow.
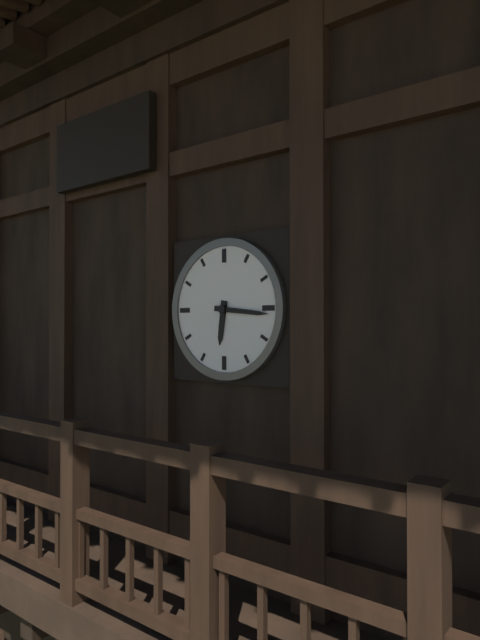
6h16
